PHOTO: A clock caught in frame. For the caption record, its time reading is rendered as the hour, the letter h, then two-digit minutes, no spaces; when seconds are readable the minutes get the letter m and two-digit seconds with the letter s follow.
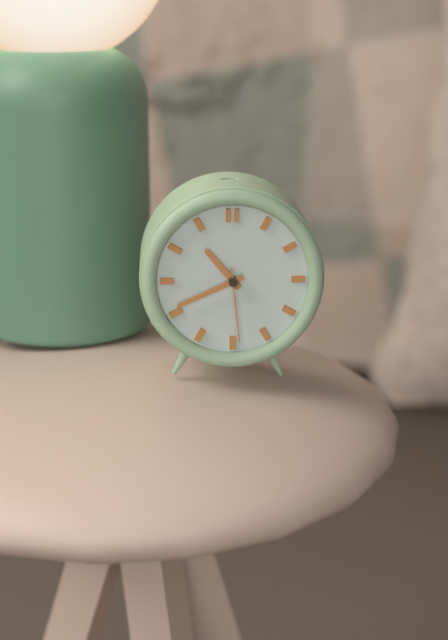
10h41m29s
